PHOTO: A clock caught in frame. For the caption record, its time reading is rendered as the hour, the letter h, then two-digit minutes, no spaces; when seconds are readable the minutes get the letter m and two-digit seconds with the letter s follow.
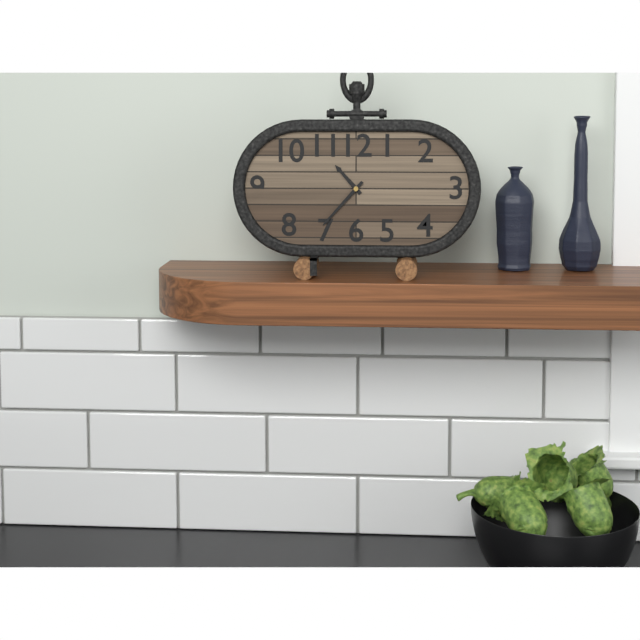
10h37
